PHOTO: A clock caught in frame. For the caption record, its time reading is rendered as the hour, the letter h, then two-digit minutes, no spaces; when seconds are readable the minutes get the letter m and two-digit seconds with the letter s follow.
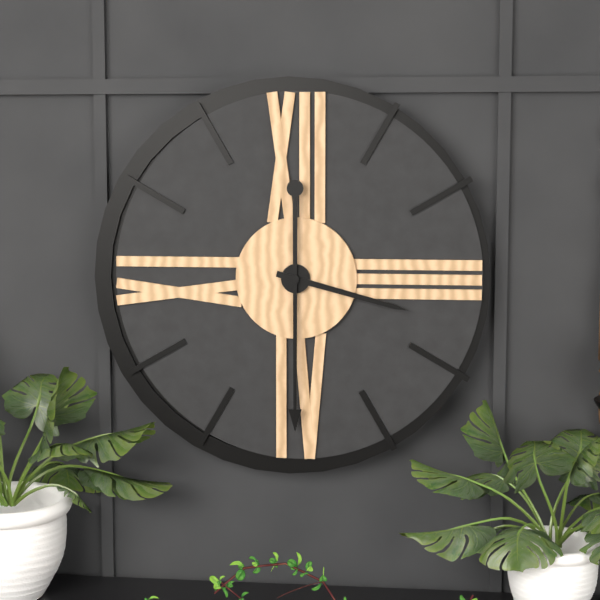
3h30
